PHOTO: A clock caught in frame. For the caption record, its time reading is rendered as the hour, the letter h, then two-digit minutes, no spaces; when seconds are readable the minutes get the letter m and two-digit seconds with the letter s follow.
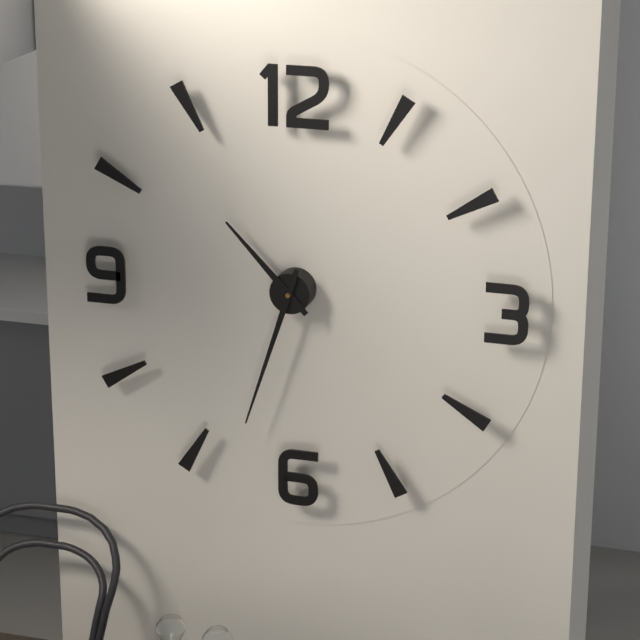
10h33
